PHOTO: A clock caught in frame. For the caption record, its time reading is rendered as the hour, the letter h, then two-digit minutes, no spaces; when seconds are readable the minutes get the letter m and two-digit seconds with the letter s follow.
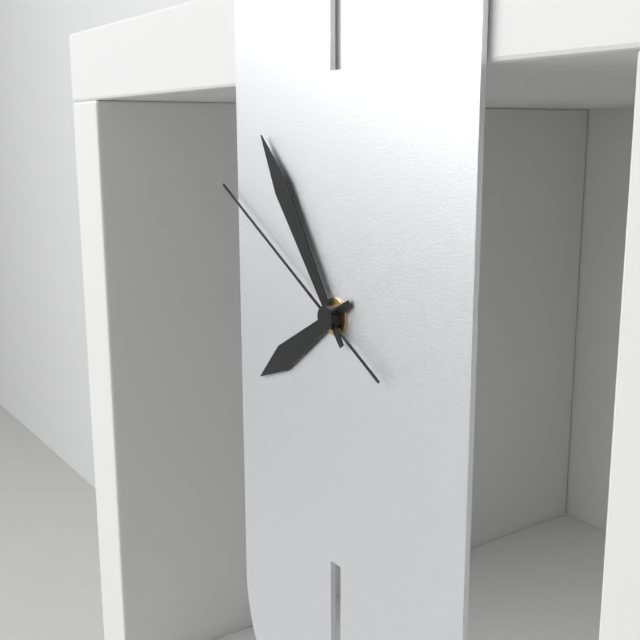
7h54m50s
